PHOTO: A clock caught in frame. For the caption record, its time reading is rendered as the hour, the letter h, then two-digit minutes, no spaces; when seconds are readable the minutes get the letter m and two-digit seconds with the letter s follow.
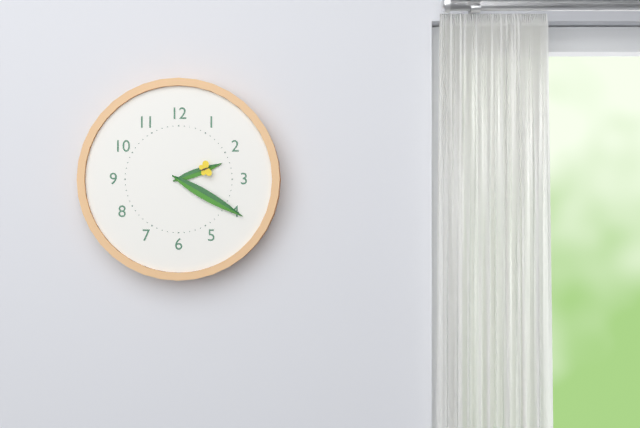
2h20
